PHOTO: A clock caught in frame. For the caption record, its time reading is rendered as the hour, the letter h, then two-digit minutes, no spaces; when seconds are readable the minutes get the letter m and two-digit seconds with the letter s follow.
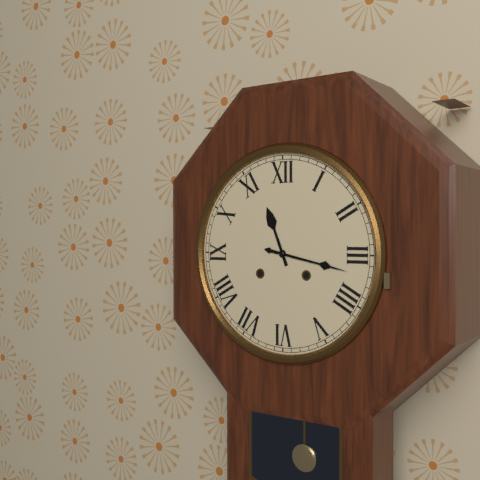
11h17
